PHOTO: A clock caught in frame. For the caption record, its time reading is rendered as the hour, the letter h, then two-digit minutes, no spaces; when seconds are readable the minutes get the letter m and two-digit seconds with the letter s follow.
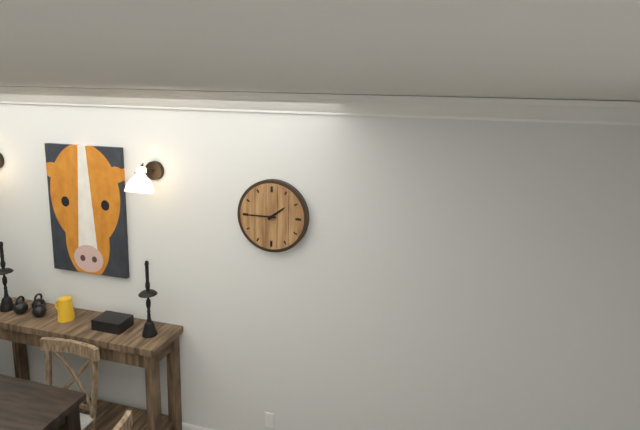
1h45
